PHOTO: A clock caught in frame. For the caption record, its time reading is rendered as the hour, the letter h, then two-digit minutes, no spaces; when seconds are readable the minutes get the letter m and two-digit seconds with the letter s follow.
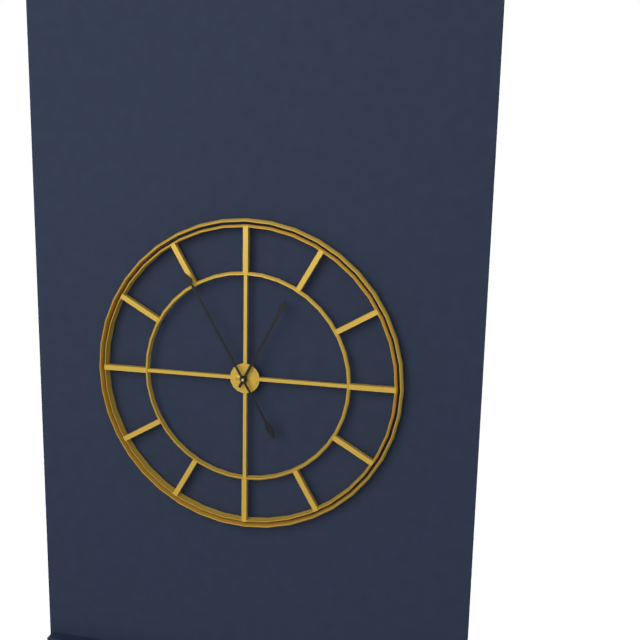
12h55
